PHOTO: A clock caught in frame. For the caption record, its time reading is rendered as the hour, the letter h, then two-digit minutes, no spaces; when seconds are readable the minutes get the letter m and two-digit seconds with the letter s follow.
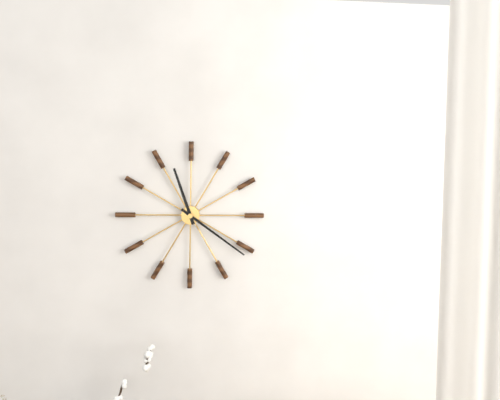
11h21
